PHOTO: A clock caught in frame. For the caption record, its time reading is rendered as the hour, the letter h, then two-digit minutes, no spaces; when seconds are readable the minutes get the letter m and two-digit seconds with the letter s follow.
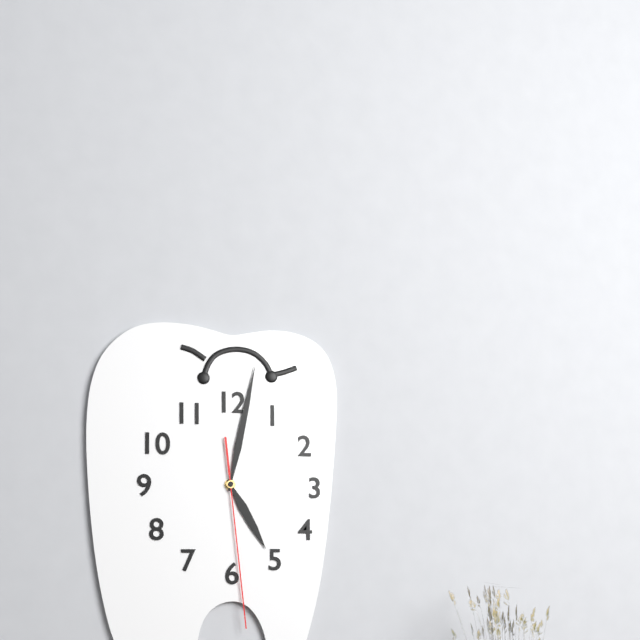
5h02m29s
